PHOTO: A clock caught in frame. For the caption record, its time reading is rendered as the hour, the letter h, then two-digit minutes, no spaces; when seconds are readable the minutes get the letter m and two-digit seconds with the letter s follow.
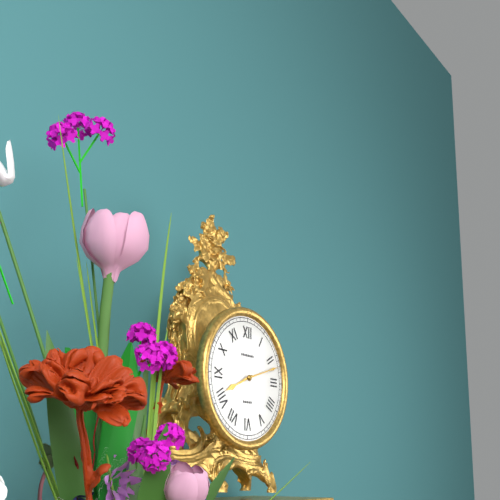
8h12
